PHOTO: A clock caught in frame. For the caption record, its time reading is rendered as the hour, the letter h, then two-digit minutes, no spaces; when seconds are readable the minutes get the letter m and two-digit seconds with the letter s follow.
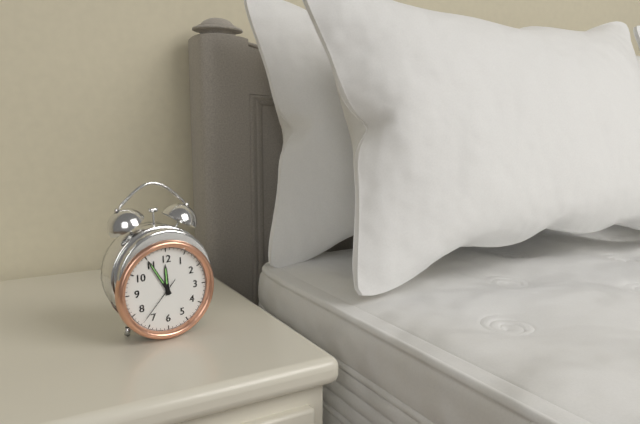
11h55m37s
